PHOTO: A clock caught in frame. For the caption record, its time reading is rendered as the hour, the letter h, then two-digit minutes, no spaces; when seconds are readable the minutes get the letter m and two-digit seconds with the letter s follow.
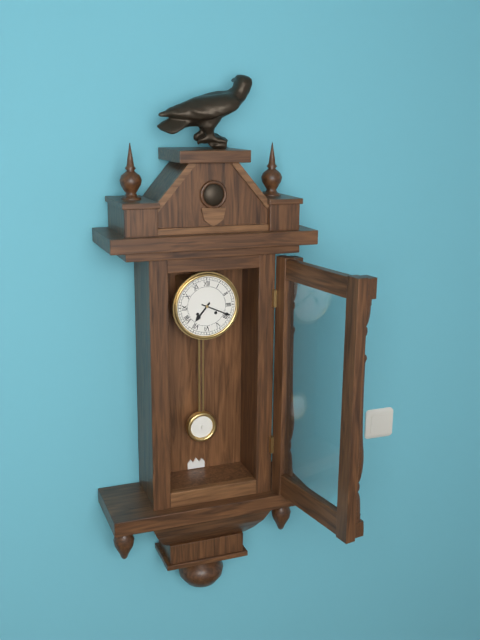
7h19
